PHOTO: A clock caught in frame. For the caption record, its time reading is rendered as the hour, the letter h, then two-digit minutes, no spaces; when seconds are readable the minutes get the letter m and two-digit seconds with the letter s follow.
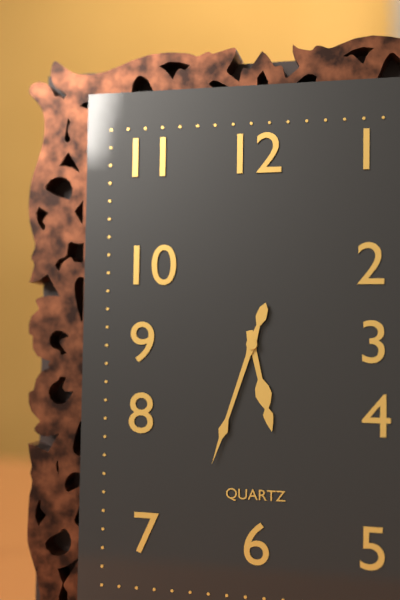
5h33
